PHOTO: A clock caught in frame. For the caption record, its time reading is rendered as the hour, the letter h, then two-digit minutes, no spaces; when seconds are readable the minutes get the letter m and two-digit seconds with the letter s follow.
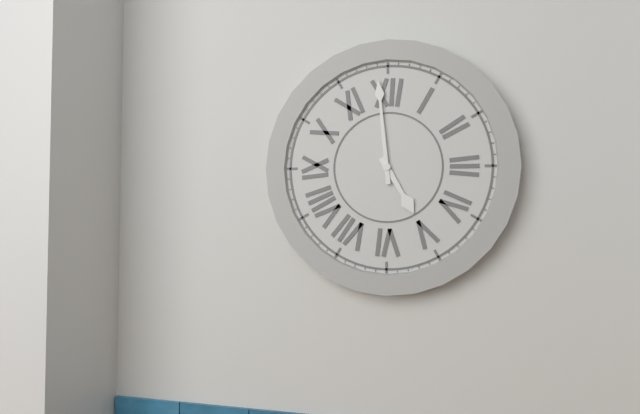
4h59
